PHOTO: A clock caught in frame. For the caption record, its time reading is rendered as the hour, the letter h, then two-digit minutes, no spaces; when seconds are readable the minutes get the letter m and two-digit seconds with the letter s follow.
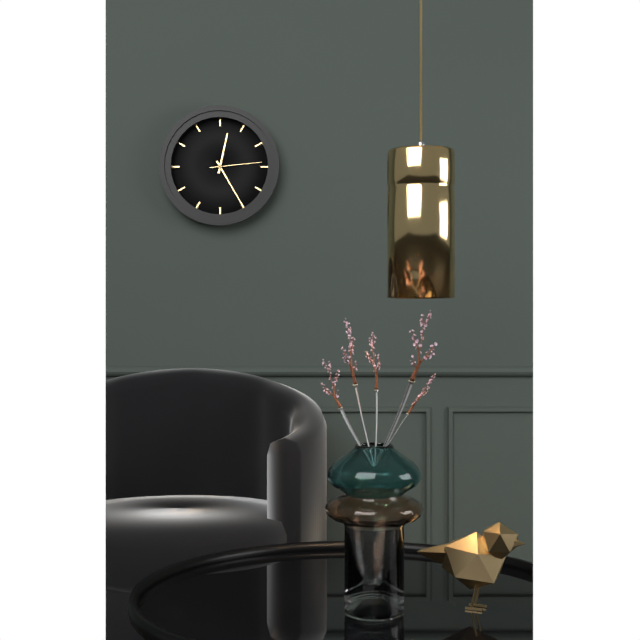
12h25m14s
